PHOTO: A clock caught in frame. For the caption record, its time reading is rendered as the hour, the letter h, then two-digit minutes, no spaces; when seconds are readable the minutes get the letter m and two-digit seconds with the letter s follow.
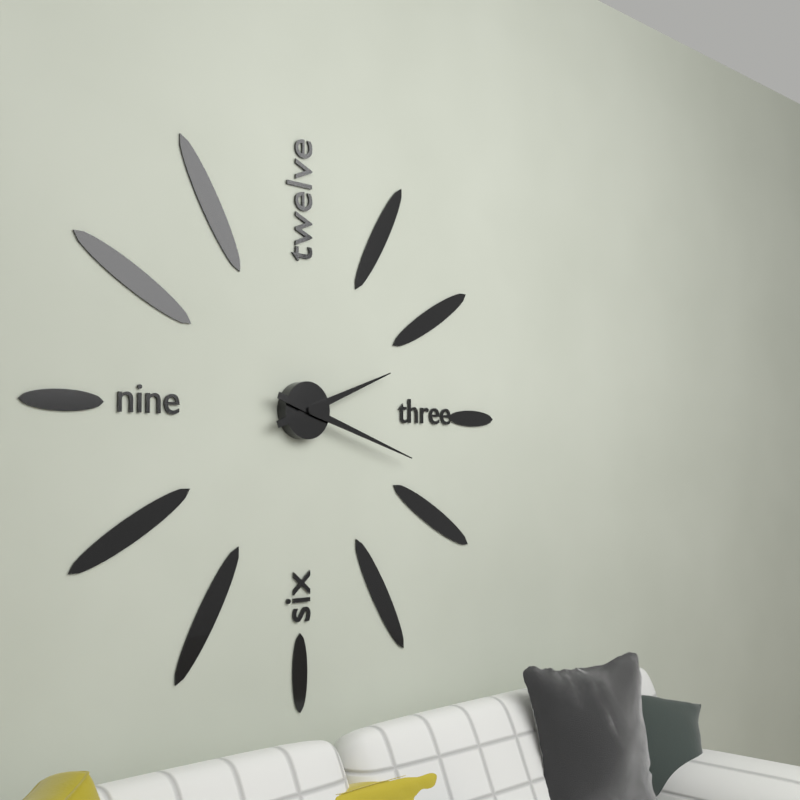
2h18
